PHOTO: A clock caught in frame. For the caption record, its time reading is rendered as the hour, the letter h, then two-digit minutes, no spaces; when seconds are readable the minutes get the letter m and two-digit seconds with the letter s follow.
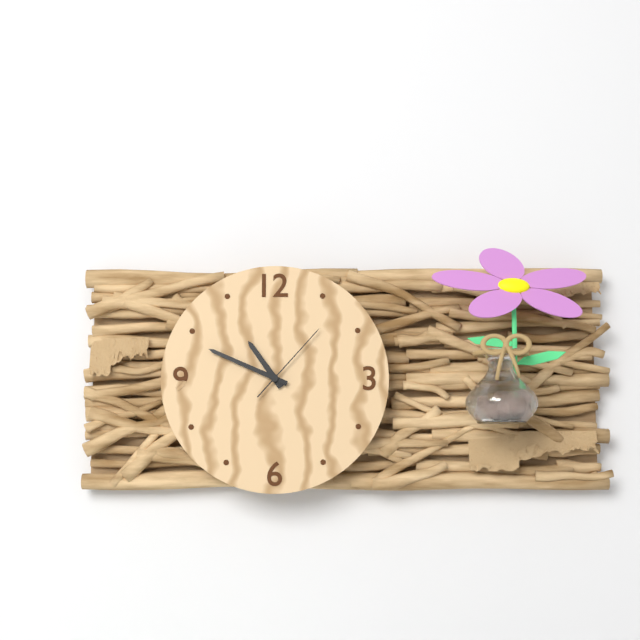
10h49m07s
